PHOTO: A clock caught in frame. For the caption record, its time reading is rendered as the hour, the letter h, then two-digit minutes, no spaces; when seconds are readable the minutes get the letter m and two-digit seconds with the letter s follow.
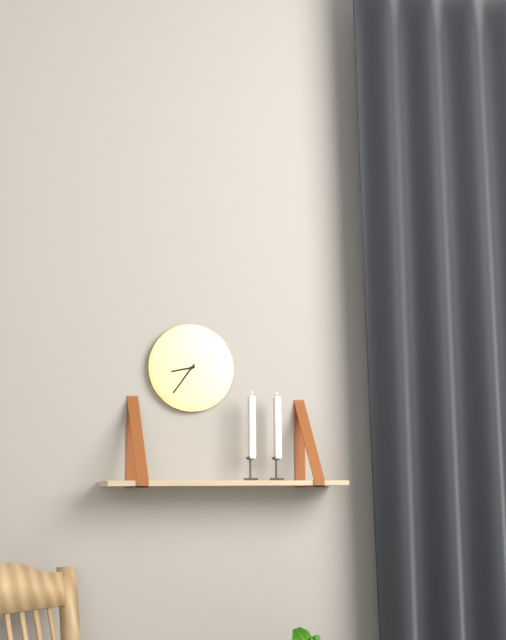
8h36
